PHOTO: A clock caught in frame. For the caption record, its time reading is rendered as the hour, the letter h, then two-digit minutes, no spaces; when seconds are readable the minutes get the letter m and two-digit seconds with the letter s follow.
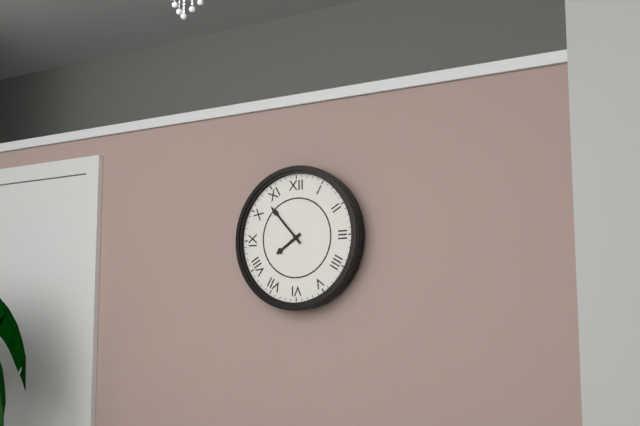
7h53
